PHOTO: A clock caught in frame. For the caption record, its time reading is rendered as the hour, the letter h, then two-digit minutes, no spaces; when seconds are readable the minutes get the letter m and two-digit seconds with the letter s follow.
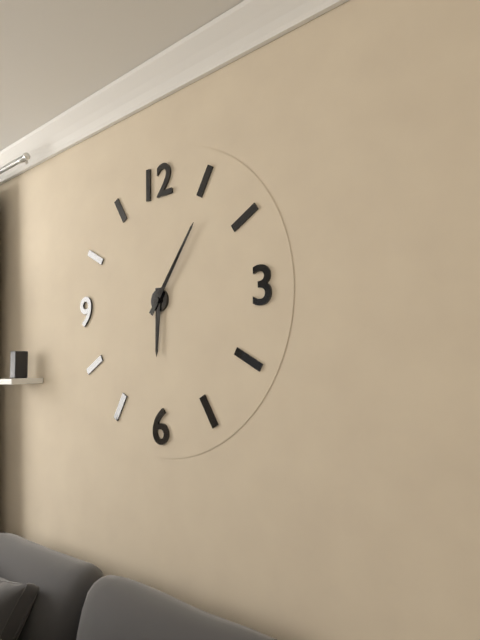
6h06
